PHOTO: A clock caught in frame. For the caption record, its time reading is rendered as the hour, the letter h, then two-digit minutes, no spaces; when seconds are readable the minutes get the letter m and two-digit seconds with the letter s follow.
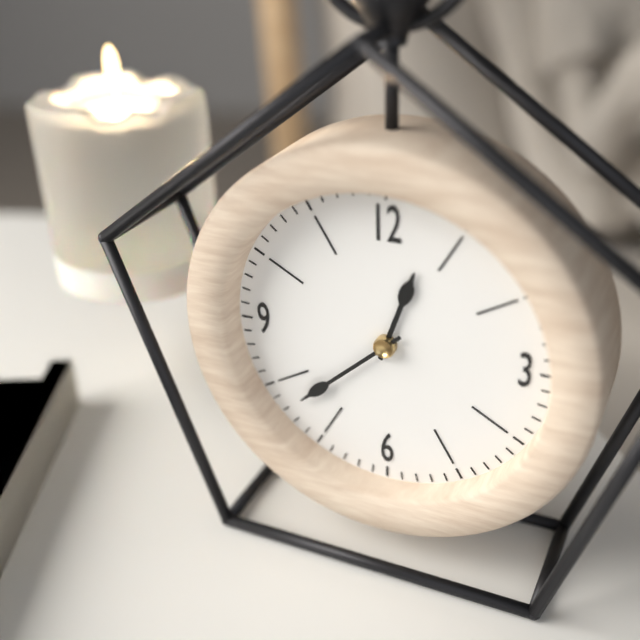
12h38
